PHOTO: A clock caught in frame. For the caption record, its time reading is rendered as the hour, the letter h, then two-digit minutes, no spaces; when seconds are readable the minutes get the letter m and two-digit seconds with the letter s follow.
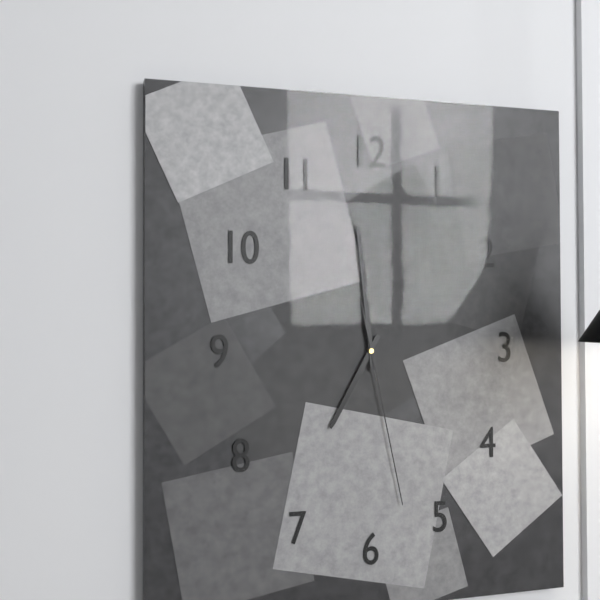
6h59m28s
